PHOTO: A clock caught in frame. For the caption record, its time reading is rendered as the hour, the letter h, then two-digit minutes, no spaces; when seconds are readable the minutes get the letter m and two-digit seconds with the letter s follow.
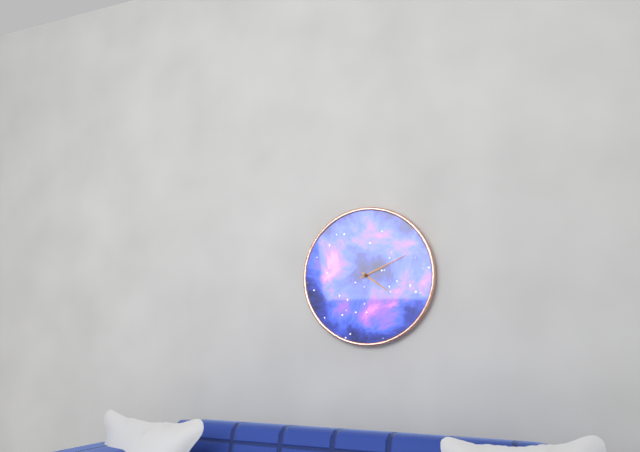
4h11
